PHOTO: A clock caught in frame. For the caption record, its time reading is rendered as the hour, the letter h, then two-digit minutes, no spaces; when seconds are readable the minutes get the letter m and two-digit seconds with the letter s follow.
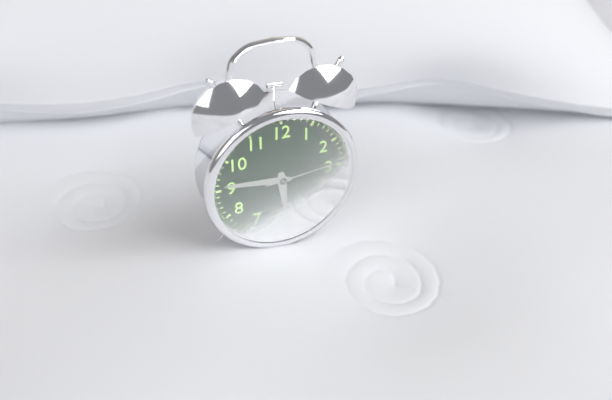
5h46m14s
